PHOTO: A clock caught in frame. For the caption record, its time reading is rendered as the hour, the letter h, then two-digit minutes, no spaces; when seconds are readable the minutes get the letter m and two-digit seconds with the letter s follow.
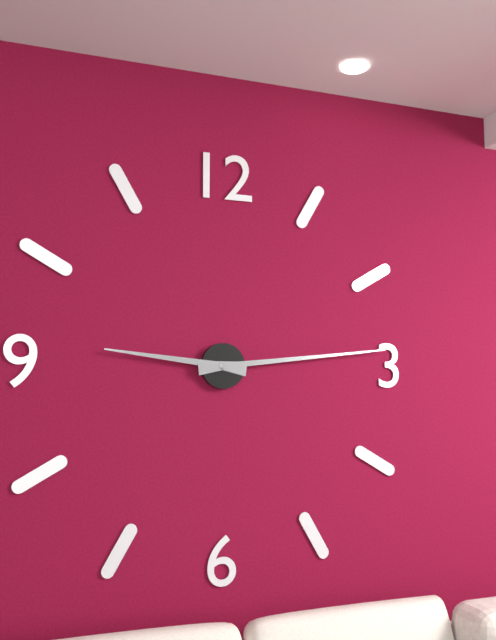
9h14
